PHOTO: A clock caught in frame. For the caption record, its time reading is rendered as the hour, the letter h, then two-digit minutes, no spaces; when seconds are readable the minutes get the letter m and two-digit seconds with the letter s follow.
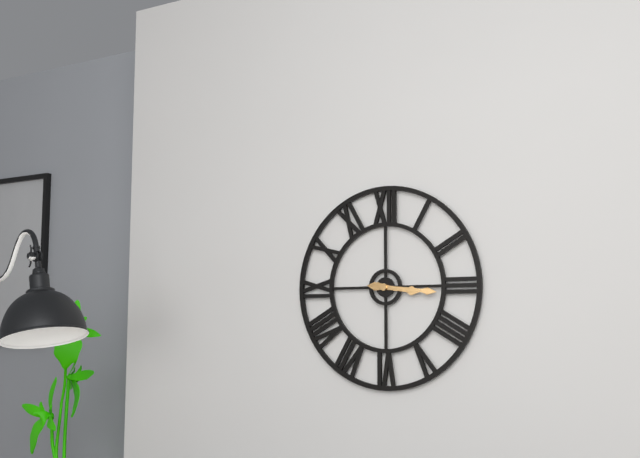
3h16
